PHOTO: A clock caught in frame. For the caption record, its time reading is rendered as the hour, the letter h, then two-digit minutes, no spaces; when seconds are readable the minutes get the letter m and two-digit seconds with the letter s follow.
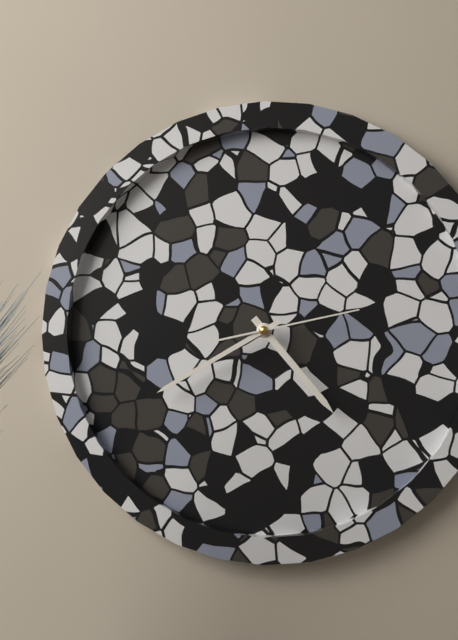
4h40m13s
